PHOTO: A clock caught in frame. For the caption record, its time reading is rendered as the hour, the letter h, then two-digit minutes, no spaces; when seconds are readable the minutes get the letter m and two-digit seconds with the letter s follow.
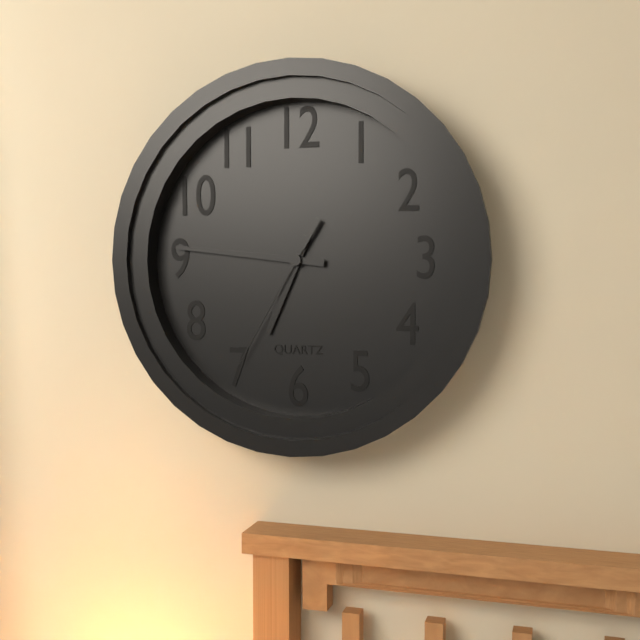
6h46m35s
